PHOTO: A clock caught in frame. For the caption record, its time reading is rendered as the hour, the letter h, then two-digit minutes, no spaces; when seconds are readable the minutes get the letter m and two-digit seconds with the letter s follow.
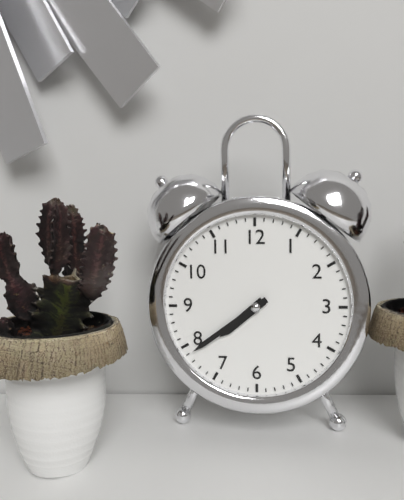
7h39
